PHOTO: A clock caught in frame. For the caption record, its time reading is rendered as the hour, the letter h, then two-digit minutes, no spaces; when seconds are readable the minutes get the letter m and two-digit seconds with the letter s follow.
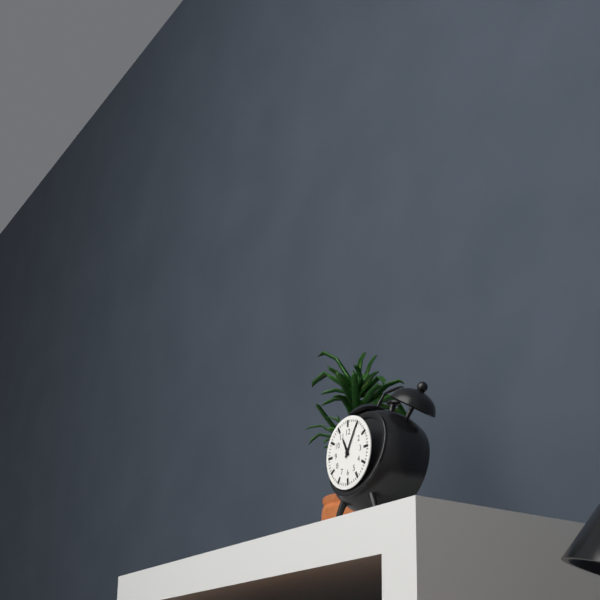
11h05
